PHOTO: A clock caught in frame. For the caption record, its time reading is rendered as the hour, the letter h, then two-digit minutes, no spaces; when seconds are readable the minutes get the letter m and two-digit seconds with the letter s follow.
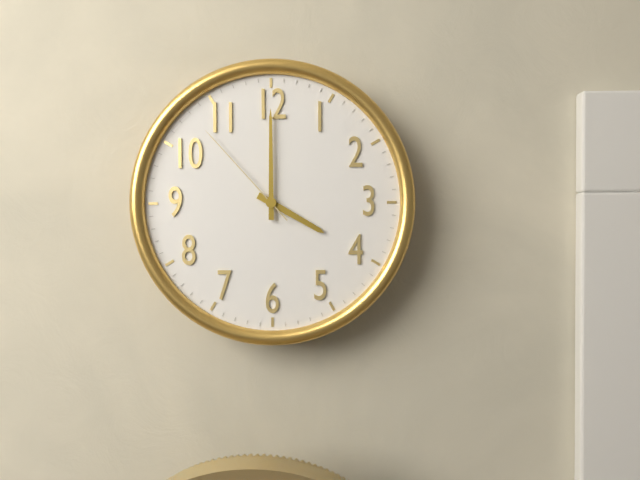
4h00m53s
